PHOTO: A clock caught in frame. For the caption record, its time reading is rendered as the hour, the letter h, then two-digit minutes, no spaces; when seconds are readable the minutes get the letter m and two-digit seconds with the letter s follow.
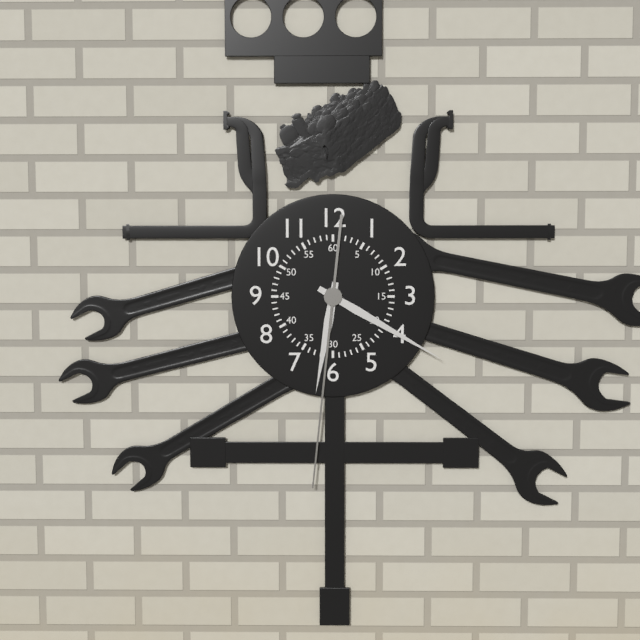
6h20m31s
